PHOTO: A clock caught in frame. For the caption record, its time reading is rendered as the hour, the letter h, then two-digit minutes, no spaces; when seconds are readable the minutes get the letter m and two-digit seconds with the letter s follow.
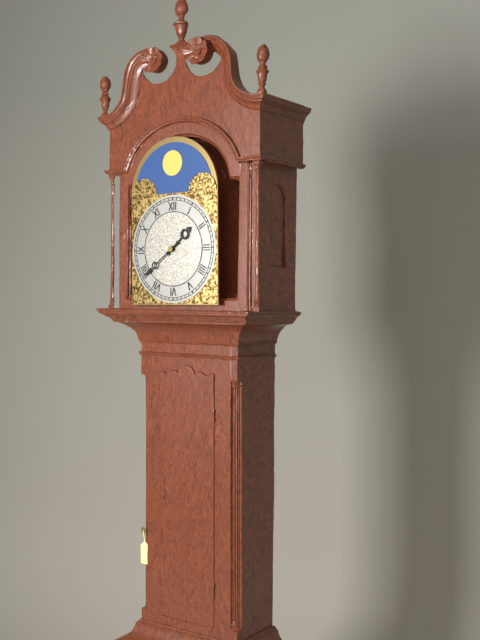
1h39
